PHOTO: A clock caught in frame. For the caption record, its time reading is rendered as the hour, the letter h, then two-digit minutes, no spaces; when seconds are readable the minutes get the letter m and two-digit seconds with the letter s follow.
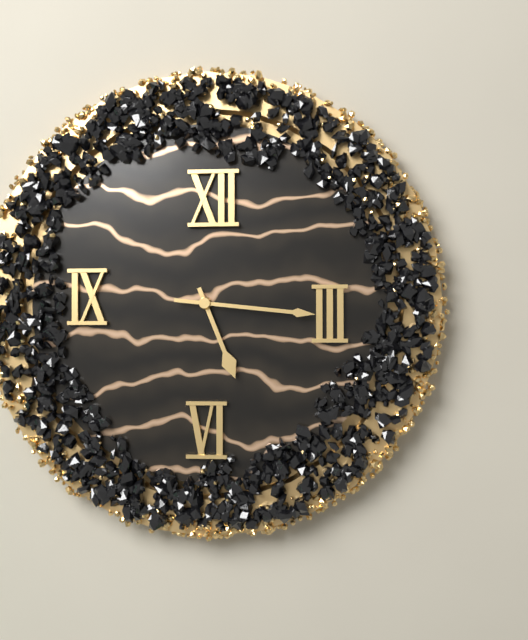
5h16
